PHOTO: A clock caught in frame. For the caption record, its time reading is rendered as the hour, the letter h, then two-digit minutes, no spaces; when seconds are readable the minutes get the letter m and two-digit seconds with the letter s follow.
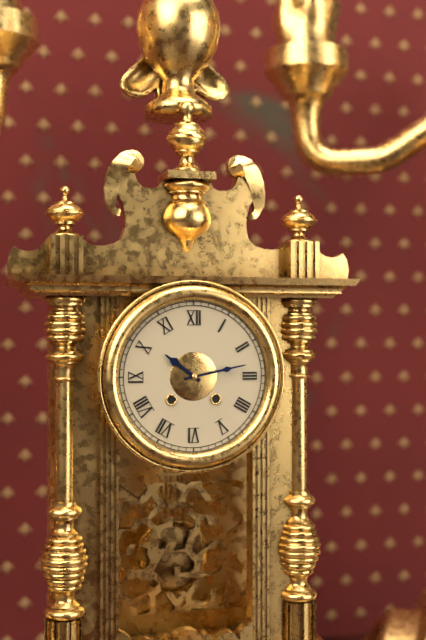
10h13
